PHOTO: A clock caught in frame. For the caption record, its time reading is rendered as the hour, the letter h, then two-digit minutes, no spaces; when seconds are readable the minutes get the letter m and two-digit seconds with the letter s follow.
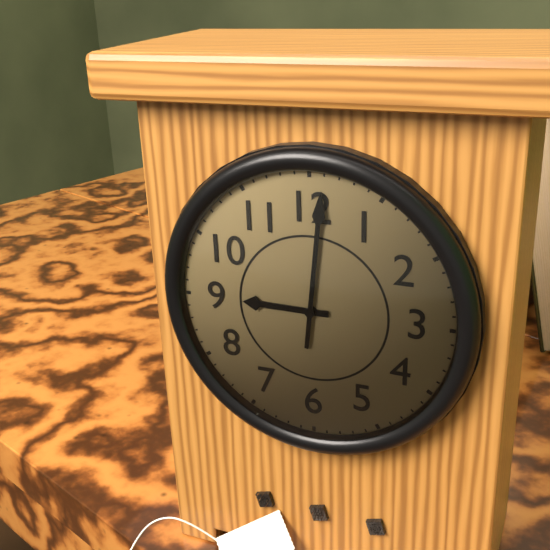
9h01
